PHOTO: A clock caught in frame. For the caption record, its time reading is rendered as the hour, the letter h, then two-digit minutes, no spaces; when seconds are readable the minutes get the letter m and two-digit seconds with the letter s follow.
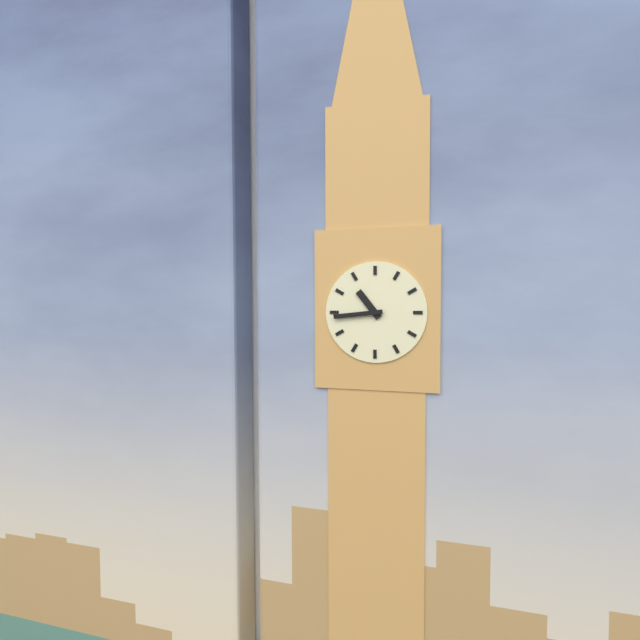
10h44
